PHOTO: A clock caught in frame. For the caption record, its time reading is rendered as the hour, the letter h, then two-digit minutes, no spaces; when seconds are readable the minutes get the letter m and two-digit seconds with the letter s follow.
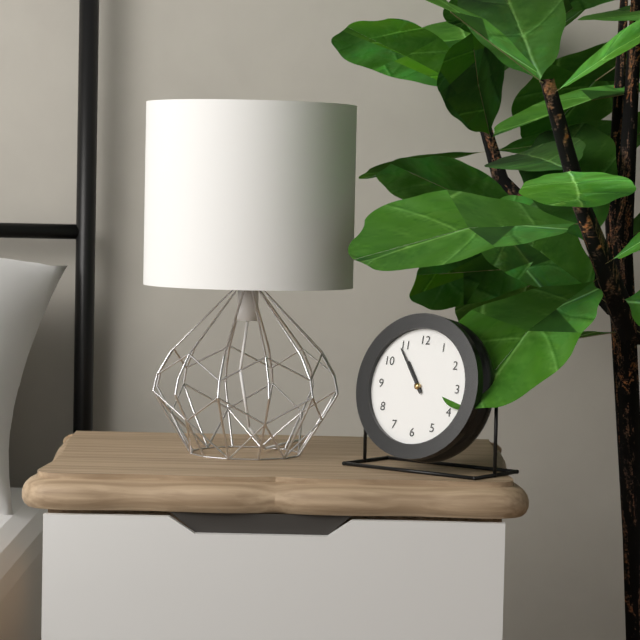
10h54
